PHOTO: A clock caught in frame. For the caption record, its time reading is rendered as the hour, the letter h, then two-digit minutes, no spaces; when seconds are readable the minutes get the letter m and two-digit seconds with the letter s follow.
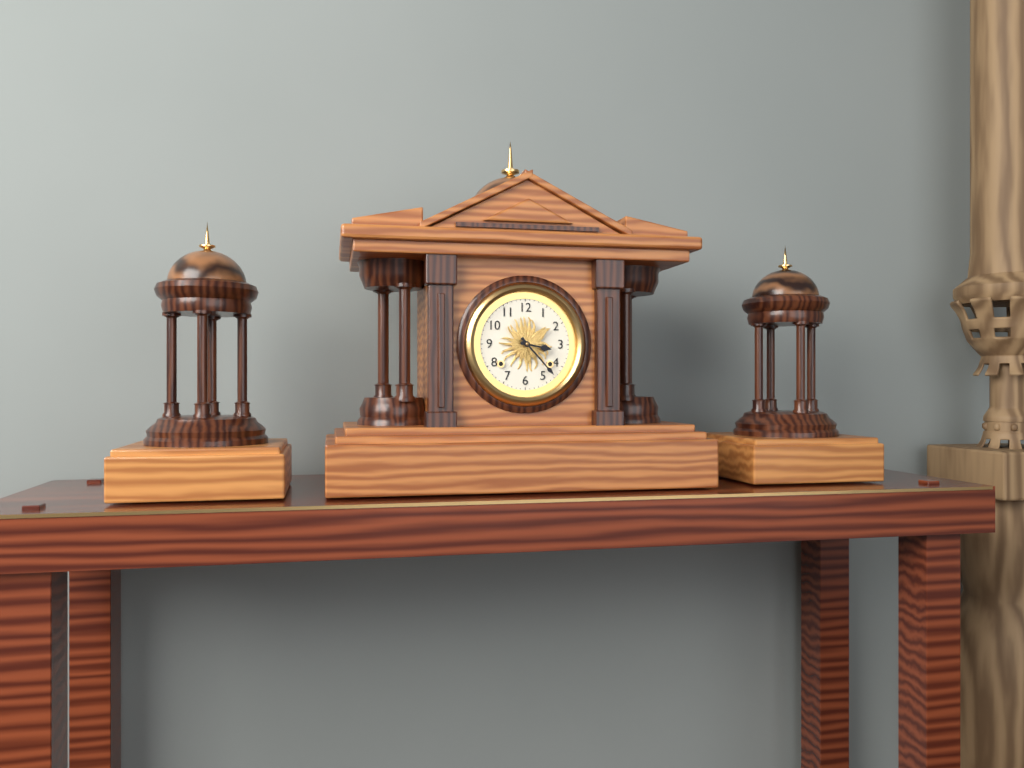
3h23
